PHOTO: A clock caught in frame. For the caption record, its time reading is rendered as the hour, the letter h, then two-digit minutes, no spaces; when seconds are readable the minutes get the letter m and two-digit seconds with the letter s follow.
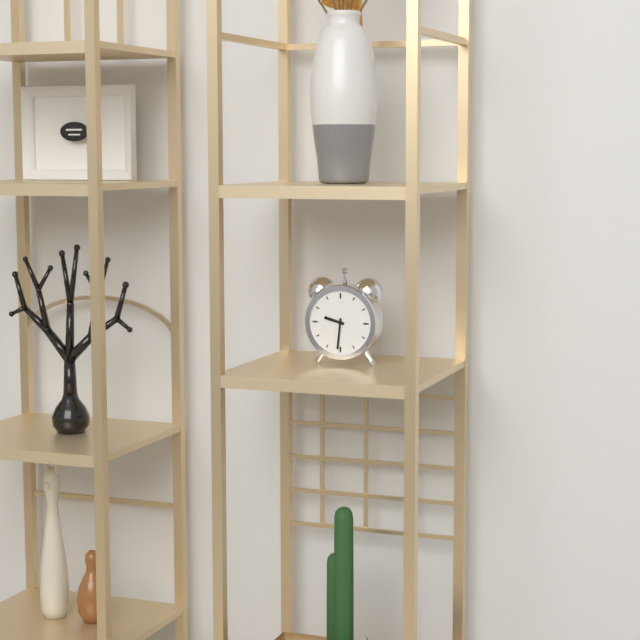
9h31
